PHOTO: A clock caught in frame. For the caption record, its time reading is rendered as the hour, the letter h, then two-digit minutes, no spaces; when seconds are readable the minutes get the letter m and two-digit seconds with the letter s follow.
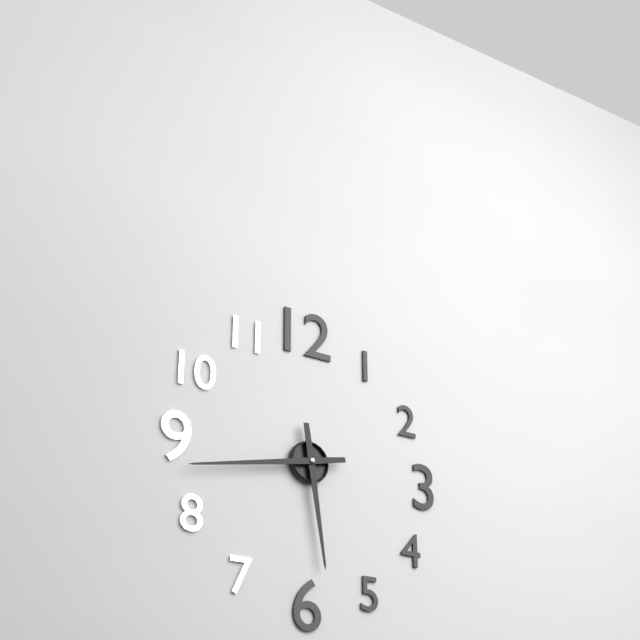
5h43
